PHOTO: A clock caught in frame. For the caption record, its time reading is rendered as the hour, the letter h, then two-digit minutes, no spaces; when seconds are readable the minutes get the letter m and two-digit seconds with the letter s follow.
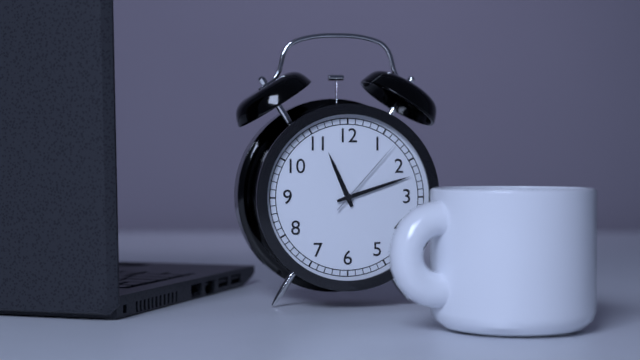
11h12m07s
